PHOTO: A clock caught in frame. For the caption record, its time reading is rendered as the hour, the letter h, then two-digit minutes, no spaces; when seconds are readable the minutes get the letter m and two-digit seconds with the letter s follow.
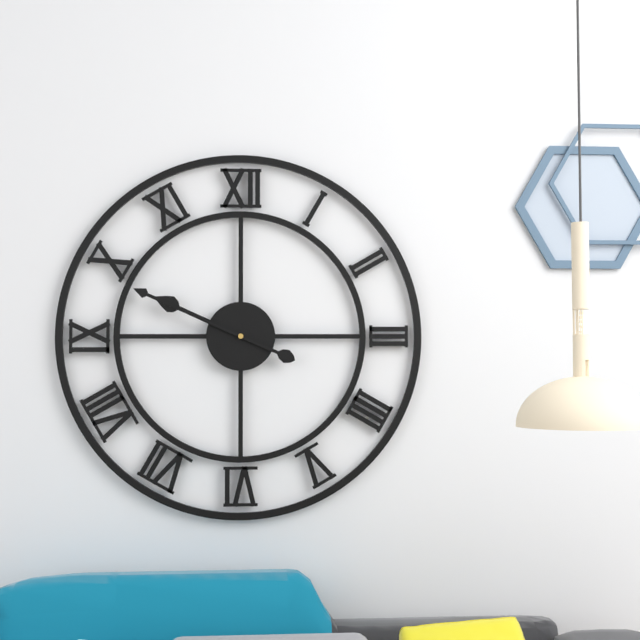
9h49
